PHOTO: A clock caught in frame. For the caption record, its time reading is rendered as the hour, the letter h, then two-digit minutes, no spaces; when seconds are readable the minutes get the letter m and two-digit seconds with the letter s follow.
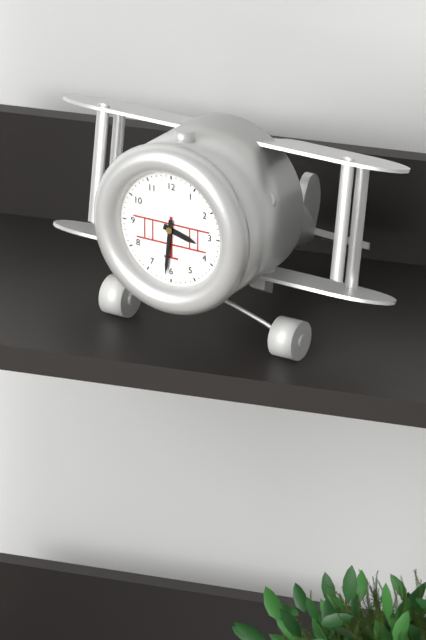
3h31
